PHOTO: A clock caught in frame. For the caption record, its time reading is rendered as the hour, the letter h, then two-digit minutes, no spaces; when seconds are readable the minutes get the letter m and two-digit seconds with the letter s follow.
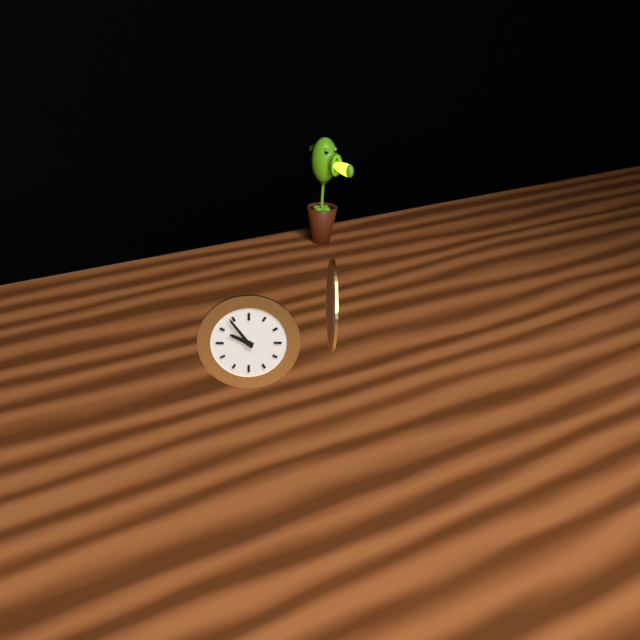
9h54
